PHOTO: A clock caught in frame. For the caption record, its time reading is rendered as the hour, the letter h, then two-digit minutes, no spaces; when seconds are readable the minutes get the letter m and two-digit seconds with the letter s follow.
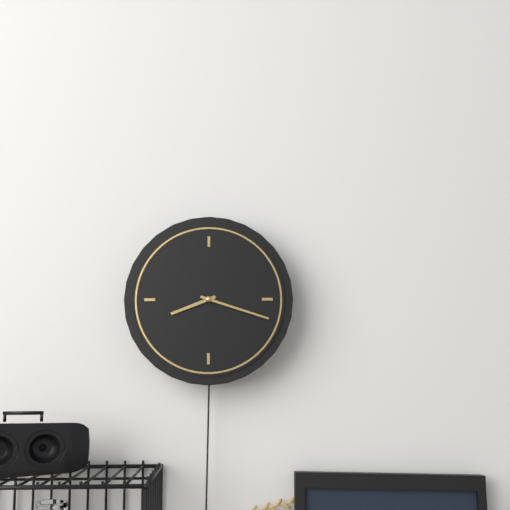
8h18
